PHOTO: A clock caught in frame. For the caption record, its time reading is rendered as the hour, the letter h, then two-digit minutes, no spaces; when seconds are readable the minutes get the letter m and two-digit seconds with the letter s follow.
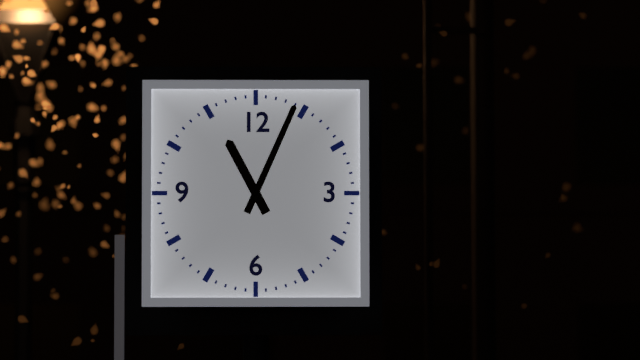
11h04
